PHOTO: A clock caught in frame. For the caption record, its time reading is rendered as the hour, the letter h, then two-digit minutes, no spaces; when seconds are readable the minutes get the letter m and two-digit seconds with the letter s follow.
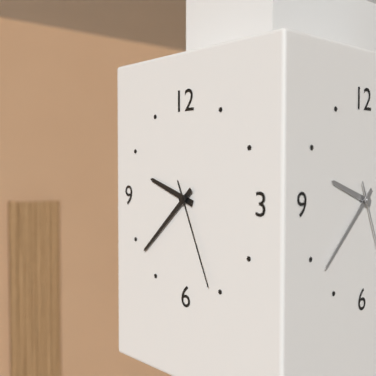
9h38m26s
